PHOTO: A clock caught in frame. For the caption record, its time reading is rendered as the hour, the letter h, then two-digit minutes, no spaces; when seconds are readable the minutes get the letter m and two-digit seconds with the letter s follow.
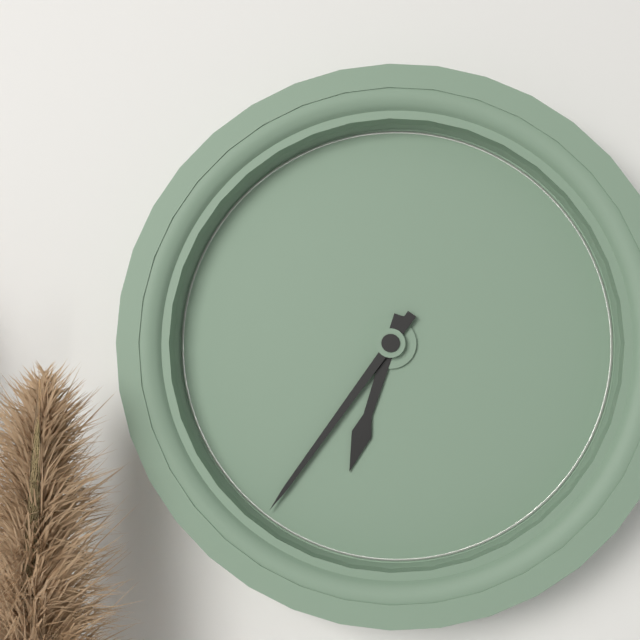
6h36
